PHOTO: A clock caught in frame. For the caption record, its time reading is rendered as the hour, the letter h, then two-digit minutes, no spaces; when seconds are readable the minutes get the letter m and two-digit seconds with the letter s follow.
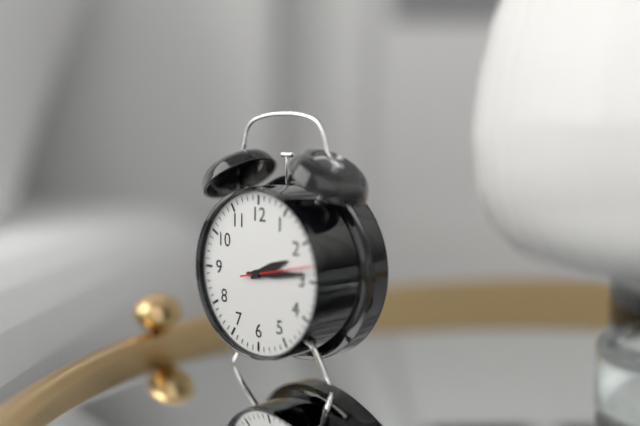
2h14
